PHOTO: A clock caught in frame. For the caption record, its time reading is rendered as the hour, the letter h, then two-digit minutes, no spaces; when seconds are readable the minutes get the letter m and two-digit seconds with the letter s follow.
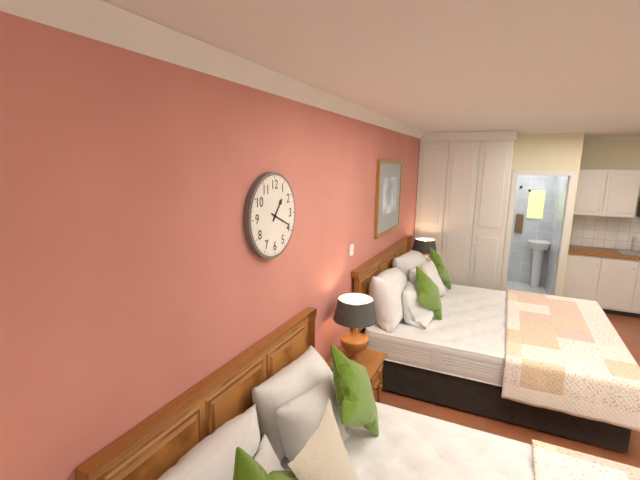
1h19
